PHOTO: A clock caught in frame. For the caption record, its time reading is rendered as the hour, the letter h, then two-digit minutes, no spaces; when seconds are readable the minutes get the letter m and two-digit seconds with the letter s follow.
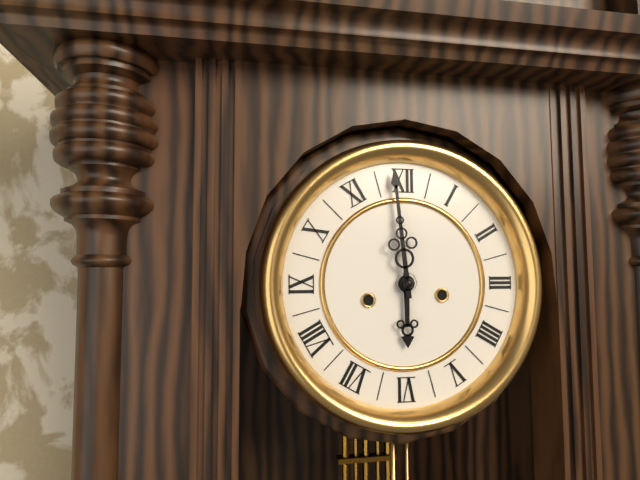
5h59
